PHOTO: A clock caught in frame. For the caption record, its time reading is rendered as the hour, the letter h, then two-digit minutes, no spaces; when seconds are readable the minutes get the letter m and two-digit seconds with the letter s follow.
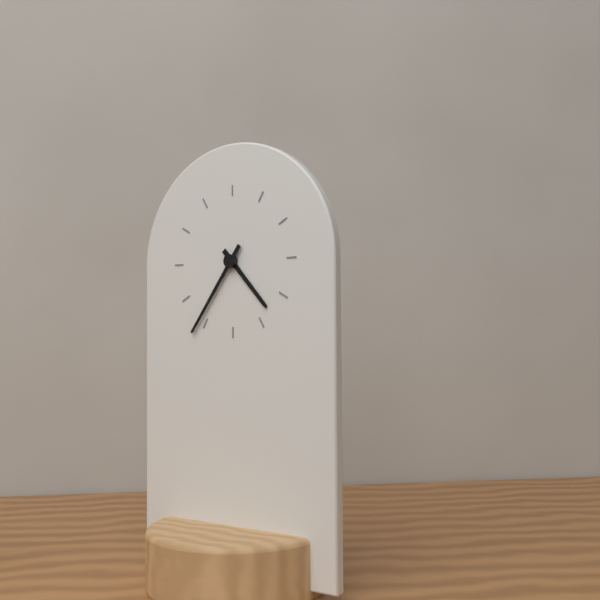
4h36
